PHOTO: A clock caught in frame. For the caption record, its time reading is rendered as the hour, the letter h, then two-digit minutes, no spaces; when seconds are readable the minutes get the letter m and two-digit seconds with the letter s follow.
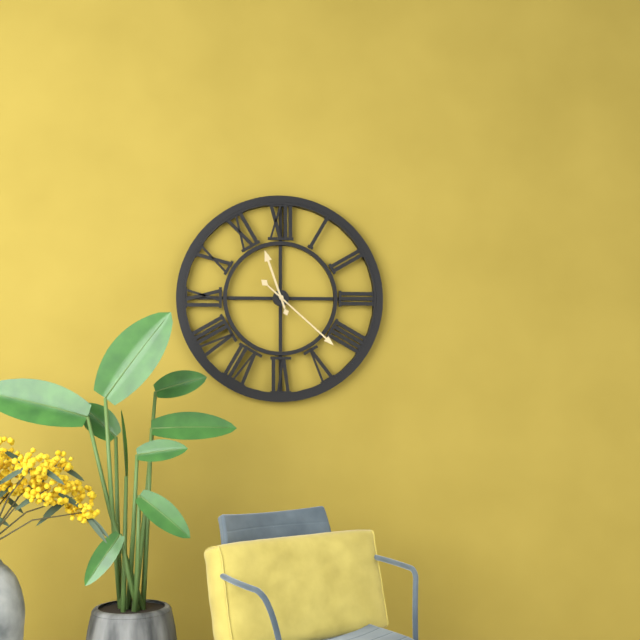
11h22
